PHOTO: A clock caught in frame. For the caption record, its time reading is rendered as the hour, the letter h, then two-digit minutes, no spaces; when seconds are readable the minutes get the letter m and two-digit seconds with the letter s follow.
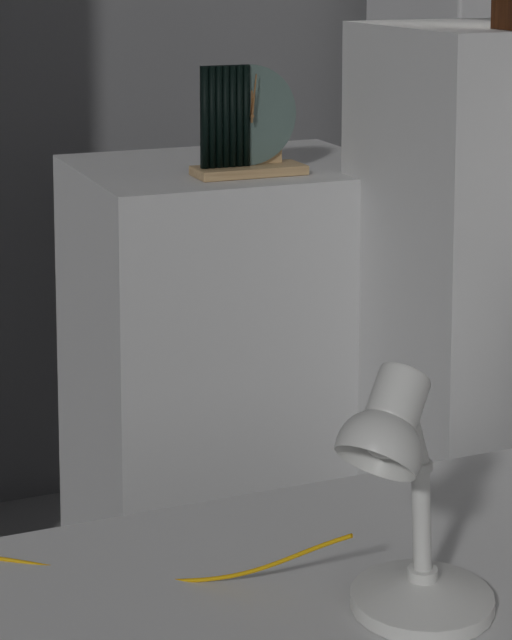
12h01
